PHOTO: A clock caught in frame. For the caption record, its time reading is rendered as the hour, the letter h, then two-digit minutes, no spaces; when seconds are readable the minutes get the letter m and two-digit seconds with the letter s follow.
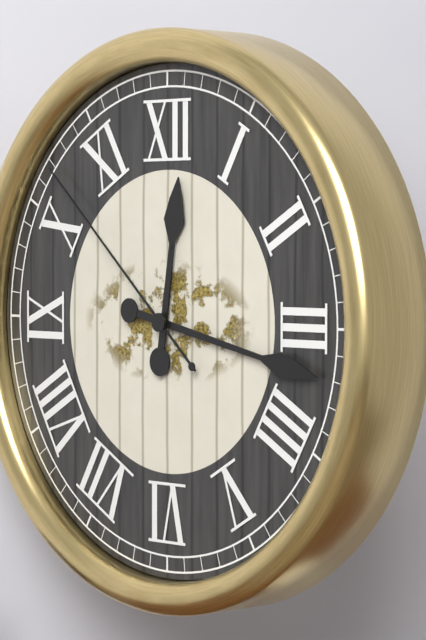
12h17m52s
